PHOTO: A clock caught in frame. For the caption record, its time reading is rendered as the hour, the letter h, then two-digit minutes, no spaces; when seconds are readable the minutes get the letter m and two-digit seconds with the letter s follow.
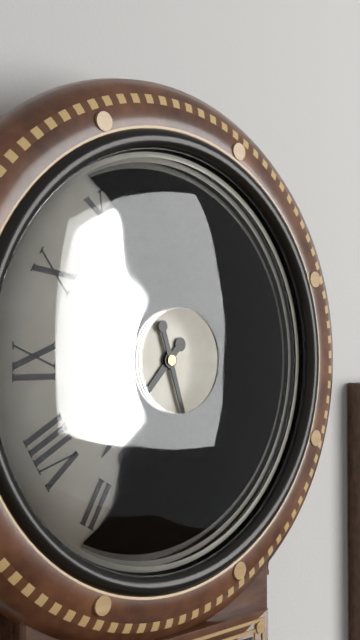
7h27
